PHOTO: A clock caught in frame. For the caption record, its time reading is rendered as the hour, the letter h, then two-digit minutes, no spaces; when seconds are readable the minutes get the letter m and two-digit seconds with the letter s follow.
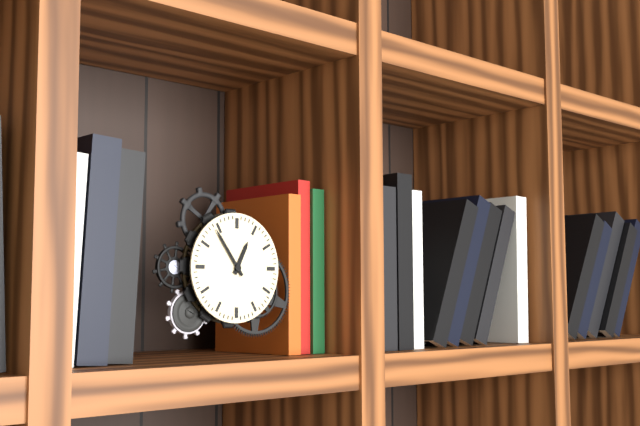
12h54
